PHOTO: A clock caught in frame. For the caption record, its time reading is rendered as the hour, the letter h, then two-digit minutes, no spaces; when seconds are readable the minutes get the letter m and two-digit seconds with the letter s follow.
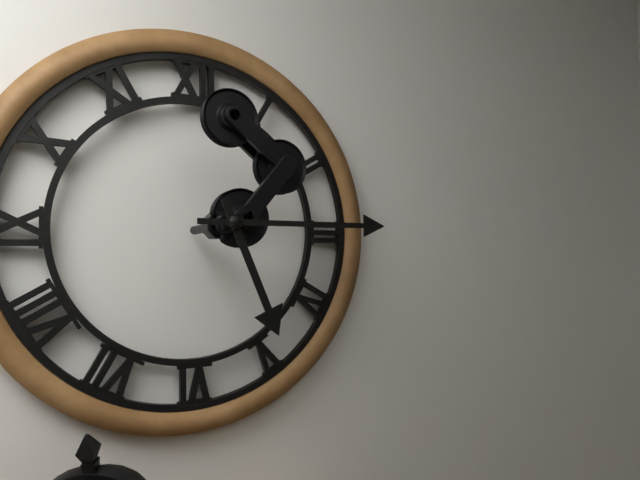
5h15
